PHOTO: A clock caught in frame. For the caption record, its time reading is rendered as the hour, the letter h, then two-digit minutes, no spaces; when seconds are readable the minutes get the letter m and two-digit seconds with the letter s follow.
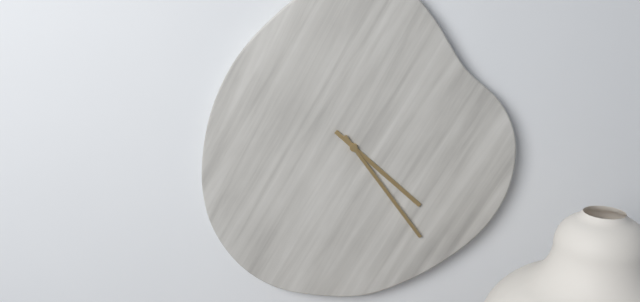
4h24
